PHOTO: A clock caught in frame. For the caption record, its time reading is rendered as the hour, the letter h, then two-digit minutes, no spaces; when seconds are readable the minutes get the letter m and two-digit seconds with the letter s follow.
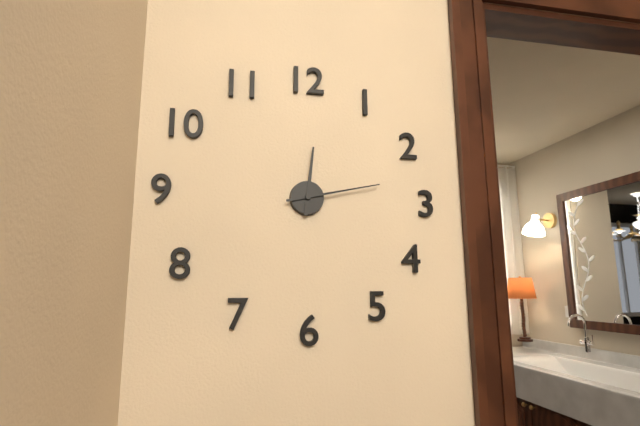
12h13
